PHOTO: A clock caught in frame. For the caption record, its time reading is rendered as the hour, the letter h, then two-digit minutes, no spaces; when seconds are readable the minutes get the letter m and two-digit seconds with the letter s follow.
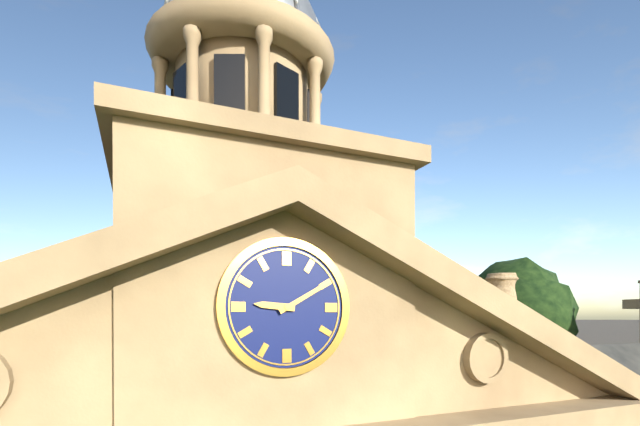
9h10
